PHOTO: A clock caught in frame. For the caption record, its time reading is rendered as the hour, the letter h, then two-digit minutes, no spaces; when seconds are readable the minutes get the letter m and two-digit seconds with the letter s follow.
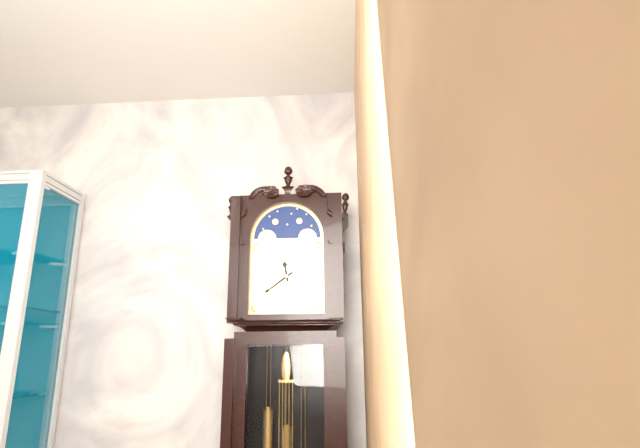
11h39
